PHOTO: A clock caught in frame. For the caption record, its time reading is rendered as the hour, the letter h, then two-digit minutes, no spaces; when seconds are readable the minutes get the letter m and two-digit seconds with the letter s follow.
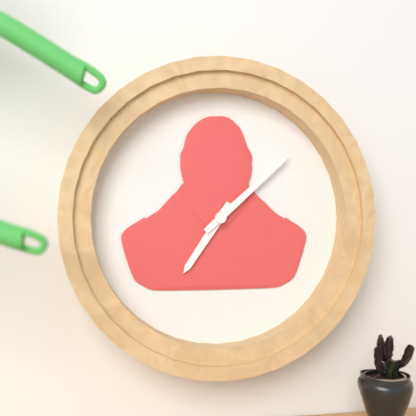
7h08
